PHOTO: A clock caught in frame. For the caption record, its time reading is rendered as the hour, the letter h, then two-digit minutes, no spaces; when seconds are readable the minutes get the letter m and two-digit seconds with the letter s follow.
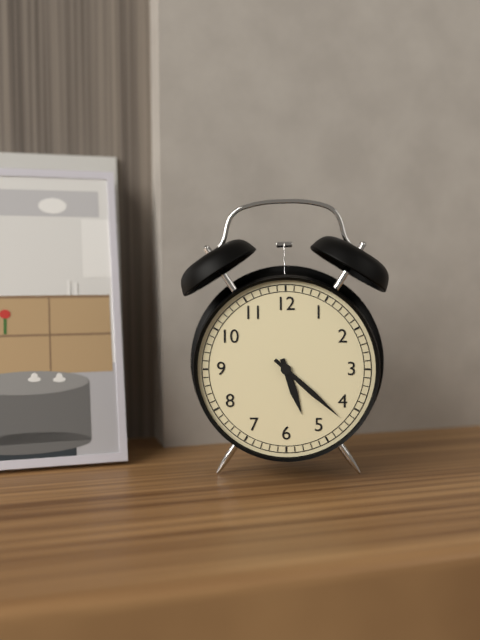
5h22
